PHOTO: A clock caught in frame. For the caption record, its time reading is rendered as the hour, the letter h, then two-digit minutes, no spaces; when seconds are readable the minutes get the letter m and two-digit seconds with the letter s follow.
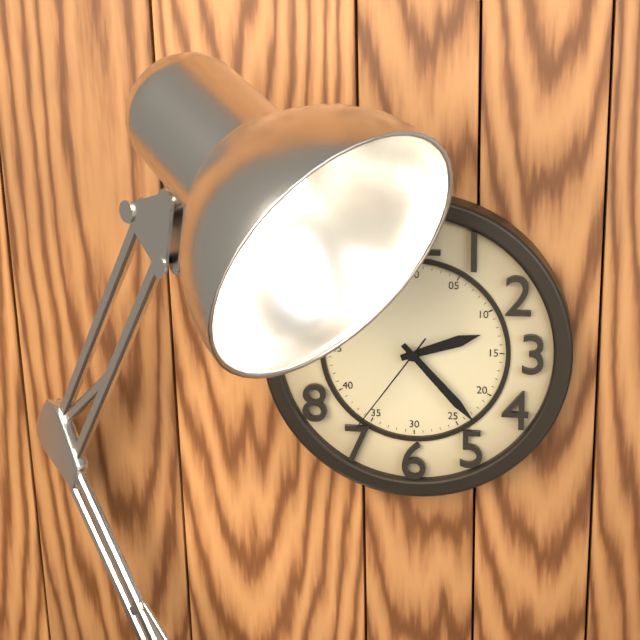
2h23m36s
